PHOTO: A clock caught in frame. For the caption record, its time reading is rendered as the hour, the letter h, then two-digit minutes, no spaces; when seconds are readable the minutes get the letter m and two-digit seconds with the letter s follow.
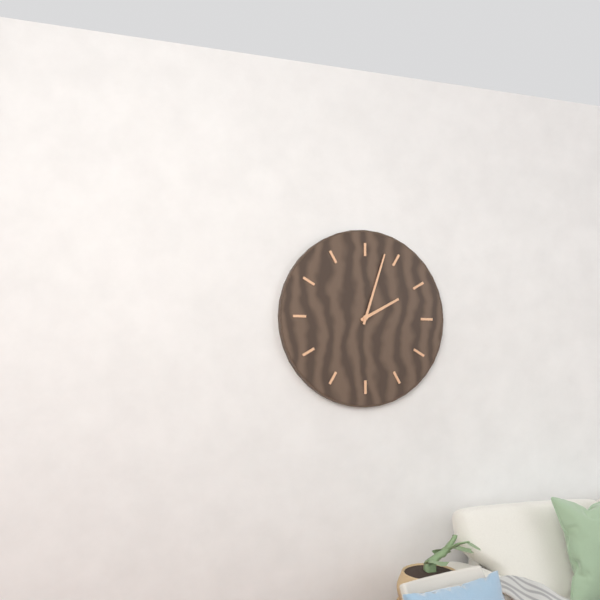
2h03
